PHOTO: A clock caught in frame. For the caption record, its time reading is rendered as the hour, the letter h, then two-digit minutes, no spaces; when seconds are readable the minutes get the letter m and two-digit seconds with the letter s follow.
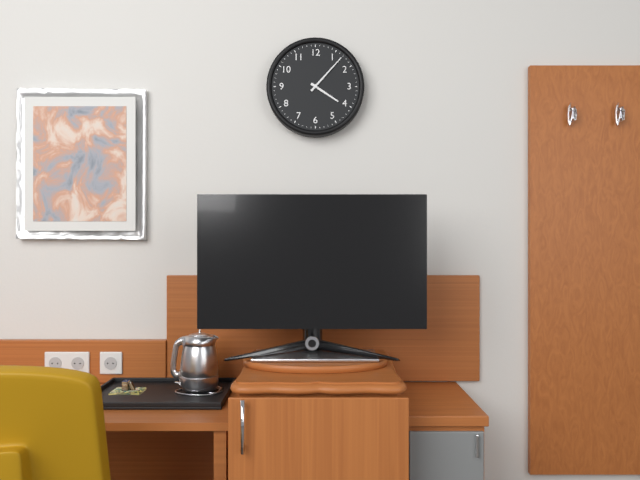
4h07
